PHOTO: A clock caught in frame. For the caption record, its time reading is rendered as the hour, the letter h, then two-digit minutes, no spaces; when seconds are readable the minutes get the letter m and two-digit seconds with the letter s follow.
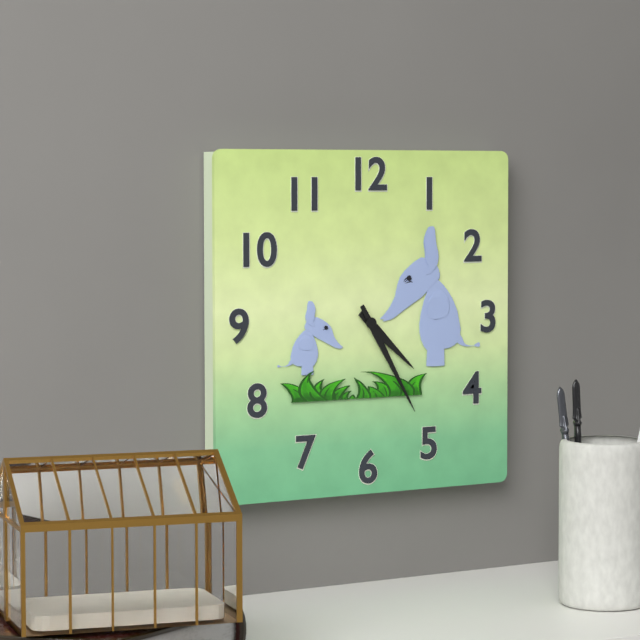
4h25
